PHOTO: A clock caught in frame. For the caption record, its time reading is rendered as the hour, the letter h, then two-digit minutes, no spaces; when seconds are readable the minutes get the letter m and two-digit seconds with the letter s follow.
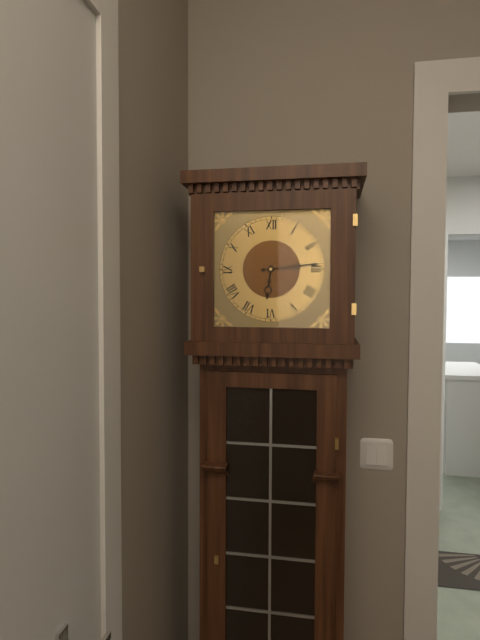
6h14
